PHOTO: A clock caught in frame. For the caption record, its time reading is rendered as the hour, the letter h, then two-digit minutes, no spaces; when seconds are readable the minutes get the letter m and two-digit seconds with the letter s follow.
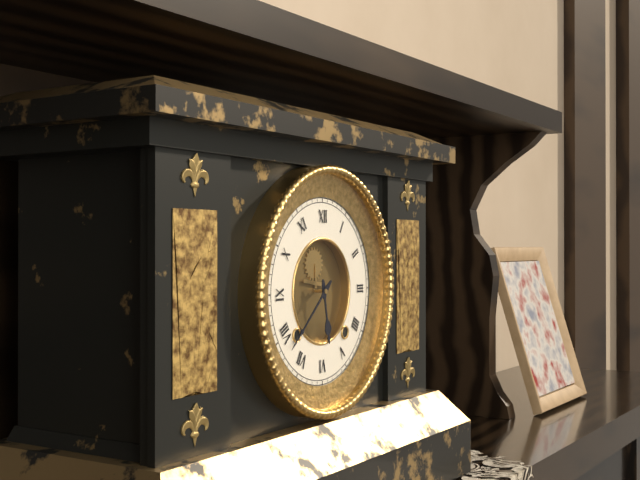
5h38
